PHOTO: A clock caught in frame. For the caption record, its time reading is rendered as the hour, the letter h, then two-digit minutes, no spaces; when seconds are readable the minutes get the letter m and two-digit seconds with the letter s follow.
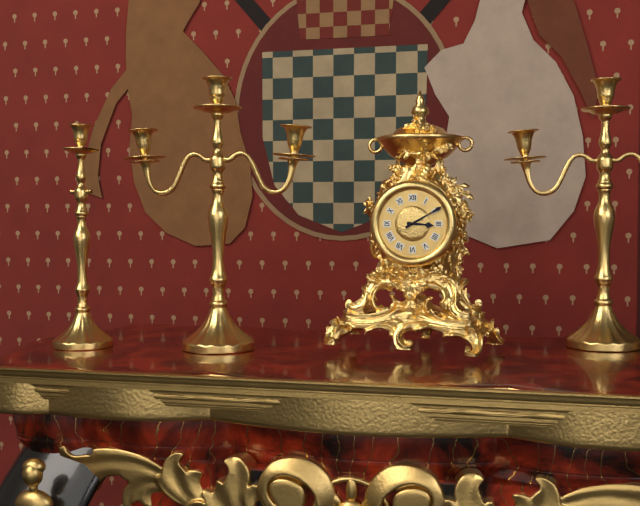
3h10
